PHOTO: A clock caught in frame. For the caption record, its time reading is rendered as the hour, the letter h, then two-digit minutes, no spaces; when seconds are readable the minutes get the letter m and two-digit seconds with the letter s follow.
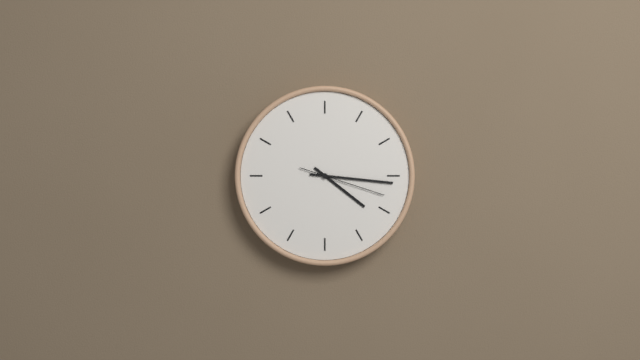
4h16m18s
